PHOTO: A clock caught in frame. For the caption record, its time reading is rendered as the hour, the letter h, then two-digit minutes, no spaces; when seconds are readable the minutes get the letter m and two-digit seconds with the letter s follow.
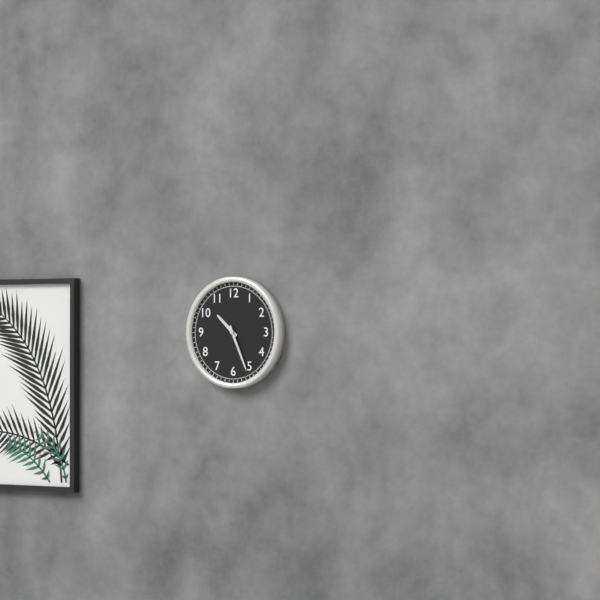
10h26
